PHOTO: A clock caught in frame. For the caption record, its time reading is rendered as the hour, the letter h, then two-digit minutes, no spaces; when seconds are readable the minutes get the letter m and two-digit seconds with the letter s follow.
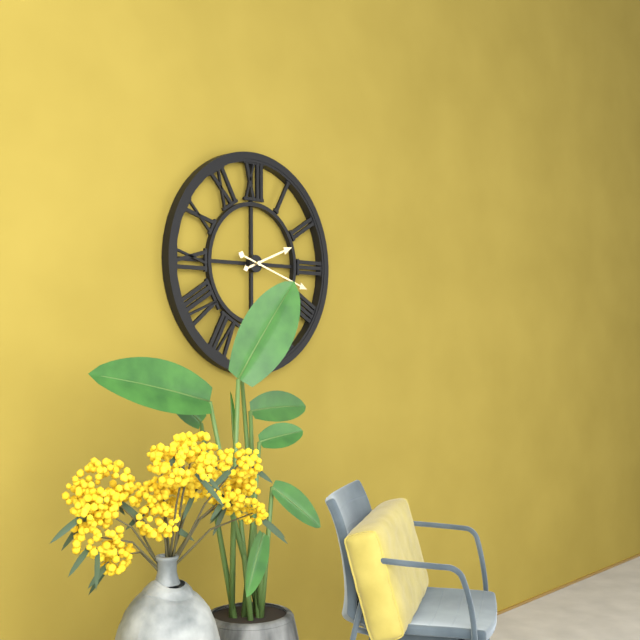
2h18
